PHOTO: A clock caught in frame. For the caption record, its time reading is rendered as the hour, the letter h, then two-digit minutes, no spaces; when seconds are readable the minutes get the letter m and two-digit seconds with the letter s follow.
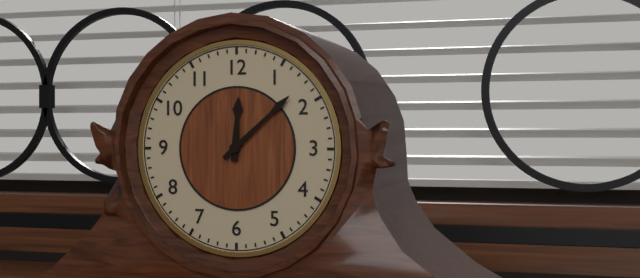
12h08
